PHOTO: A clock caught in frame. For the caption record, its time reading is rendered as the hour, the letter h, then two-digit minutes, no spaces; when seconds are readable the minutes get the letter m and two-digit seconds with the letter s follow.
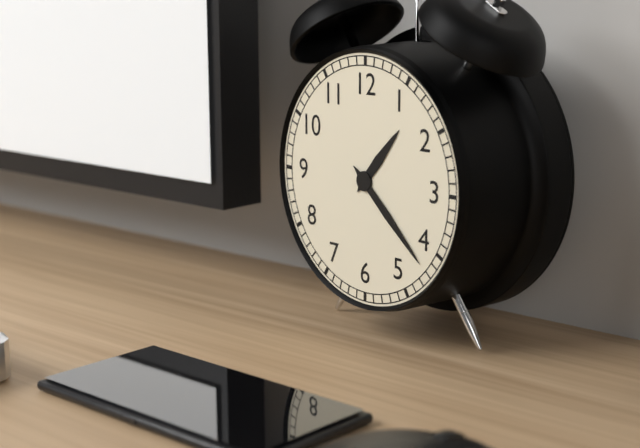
1h22
